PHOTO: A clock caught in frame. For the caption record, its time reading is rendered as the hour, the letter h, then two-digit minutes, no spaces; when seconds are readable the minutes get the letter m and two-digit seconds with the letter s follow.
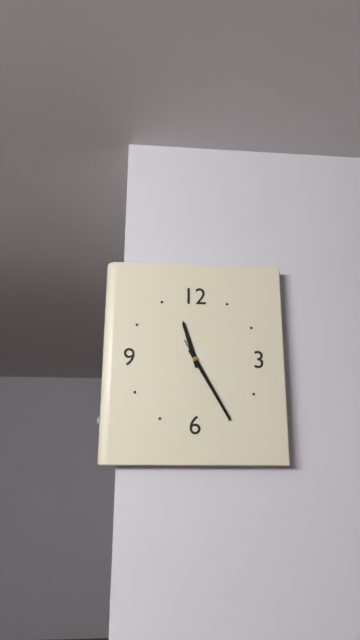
11h25m25s
